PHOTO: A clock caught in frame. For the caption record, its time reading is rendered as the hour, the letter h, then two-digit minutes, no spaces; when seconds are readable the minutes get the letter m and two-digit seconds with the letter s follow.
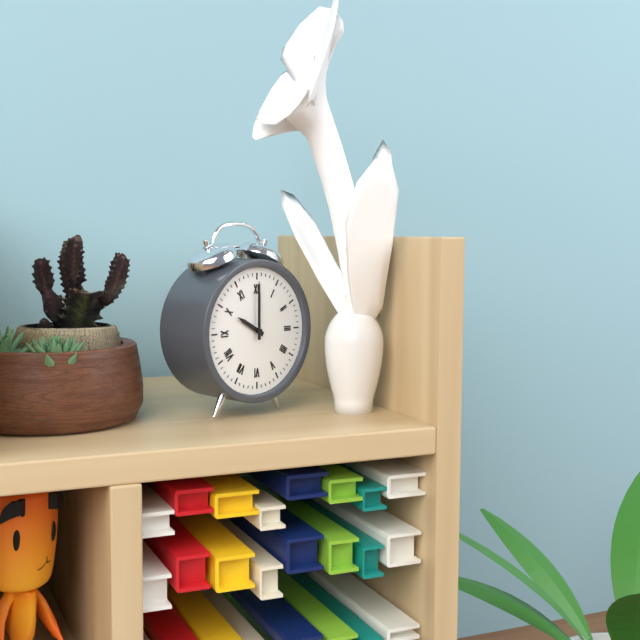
10h00
